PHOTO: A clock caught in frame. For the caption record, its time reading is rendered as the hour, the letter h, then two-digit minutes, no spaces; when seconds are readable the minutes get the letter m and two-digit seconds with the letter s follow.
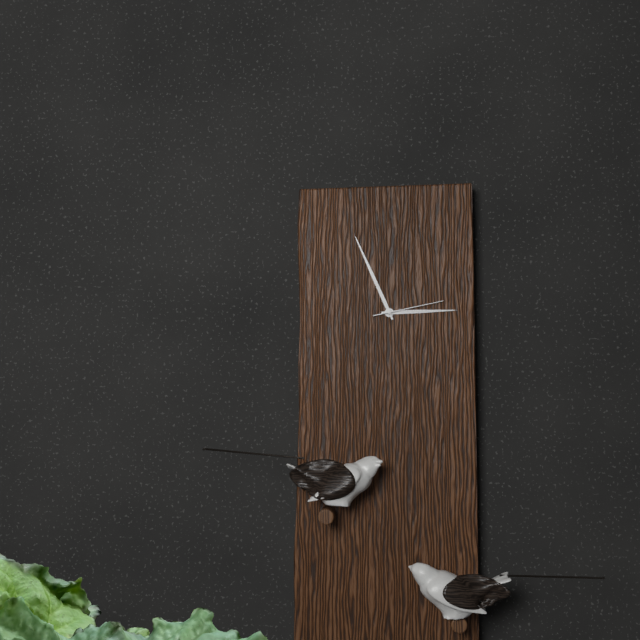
2h56m13s
